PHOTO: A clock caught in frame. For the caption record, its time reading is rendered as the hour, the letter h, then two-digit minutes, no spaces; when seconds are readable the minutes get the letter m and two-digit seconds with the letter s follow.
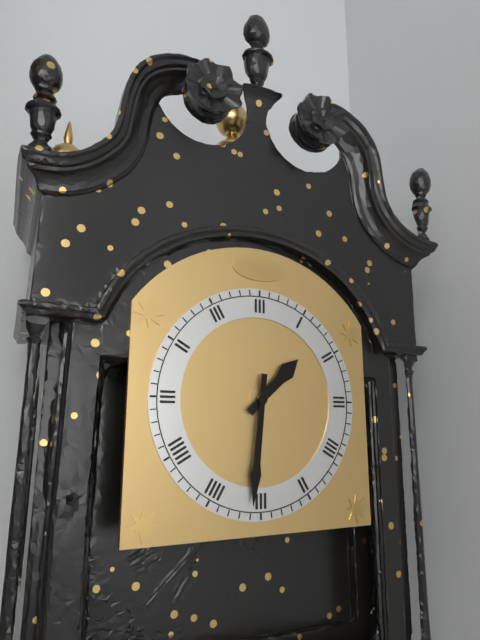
1h31
